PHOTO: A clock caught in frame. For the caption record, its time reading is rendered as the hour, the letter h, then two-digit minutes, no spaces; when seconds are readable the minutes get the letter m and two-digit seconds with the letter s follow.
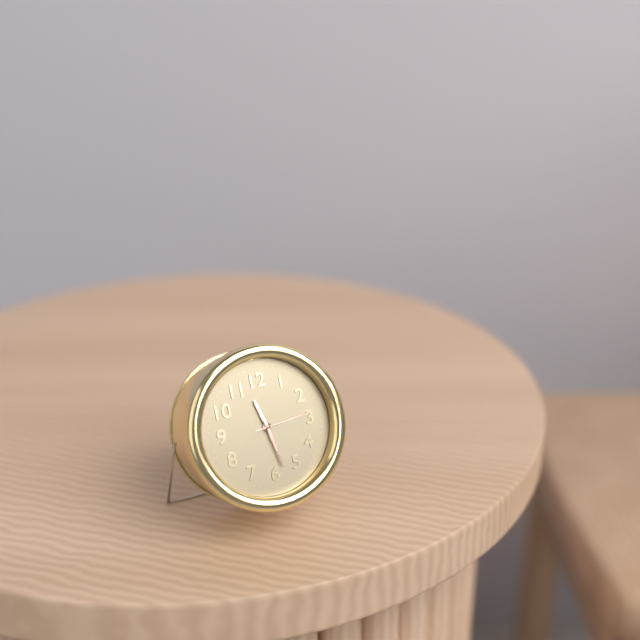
11h28m14s
